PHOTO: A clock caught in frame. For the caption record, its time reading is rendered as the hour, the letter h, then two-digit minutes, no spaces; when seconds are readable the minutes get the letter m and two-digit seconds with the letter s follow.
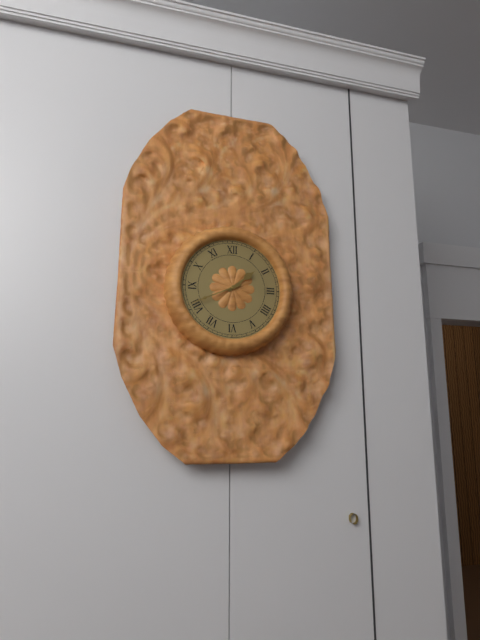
1h41
